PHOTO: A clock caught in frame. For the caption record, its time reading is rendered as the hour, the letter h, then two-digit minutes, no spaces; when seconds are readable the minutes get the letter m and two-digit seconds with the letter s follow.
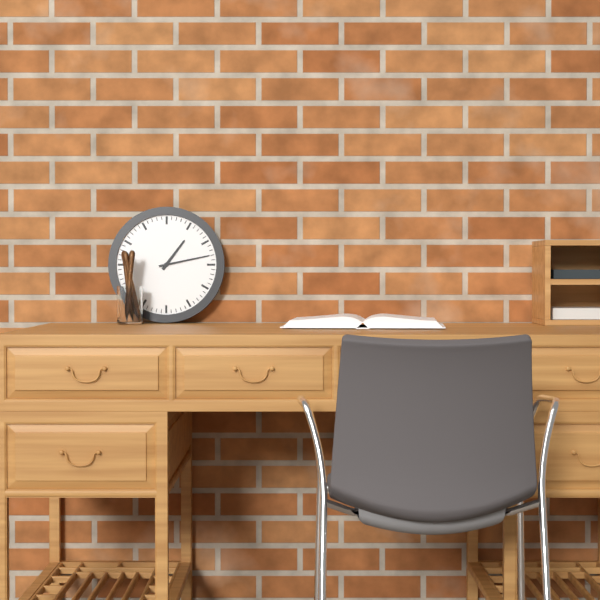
1h13
